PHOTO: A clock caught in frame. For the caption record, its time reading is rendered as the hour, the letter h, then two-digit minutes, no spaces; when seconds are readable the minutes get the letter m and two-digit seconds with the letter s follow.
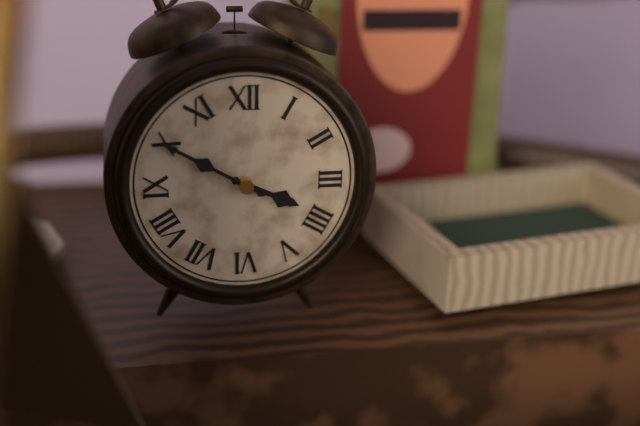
3h50
